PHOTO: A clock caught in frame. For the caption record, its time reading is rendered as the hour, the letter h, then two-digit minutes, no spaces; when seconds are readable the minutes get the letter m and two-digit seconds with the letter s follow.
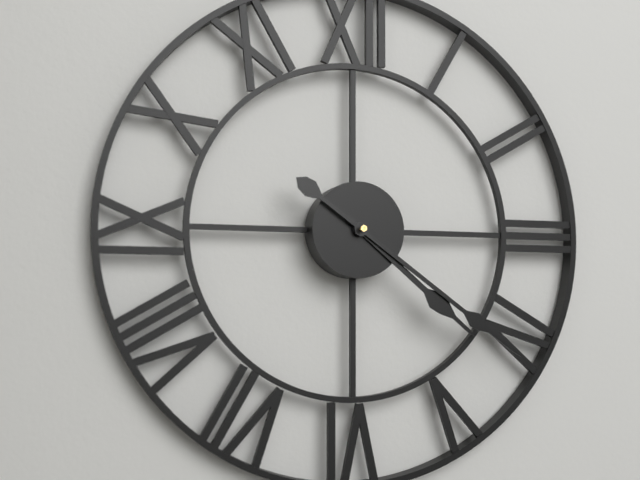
4h21
